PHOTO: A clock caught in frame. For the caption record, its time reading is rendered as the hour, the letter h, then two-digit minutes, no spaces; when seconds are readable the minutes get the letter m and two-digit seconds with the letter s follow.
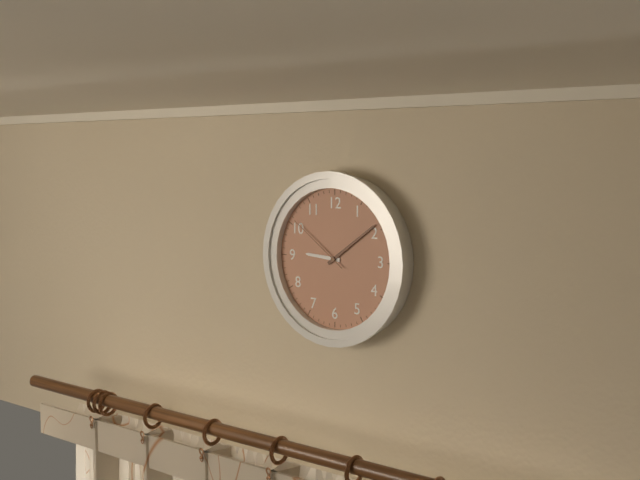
9h09m51s
